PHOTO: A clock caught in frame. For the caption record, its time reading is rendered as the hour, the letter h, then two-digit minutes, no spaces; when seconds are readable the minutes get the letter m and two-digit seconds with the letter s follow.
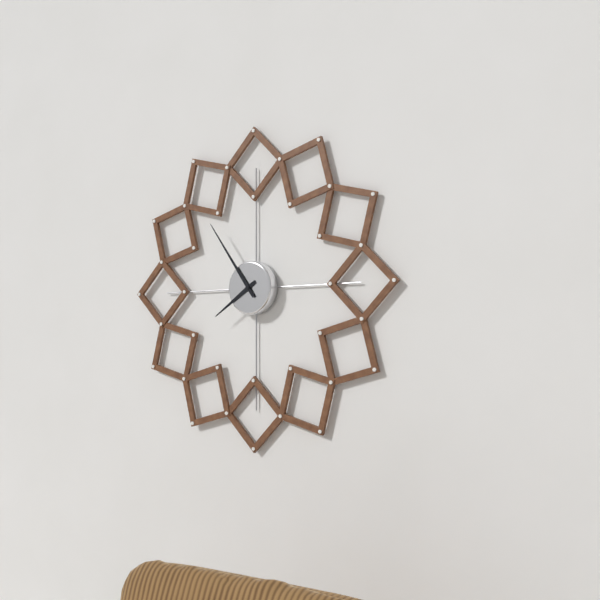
7h54
